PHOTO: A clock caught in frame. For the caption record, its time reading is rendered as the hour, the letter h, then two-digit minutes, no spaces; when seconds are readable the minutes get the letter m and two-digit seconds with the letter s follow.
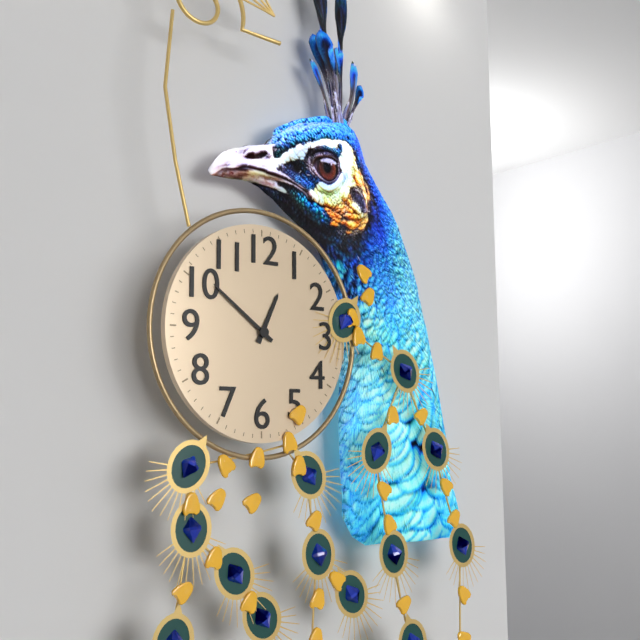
12h51
